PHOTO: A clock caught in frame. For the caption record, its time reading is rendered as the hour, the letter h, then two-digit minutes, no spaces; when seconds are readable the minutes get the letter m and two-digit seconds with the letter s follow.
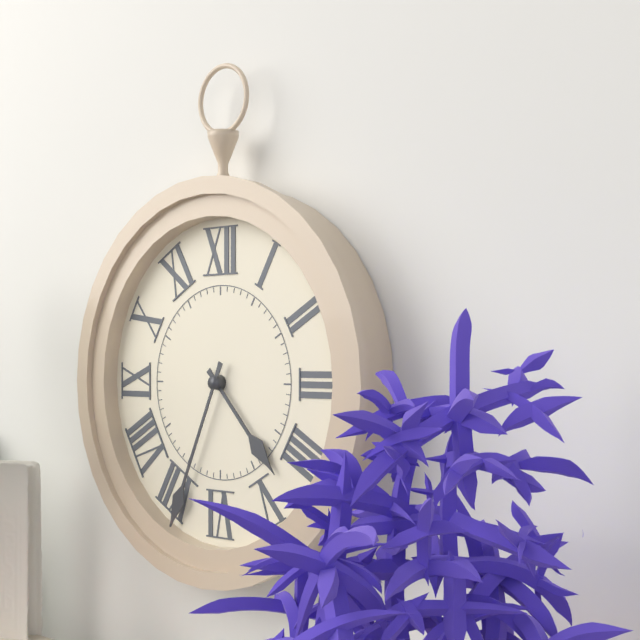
4h34
